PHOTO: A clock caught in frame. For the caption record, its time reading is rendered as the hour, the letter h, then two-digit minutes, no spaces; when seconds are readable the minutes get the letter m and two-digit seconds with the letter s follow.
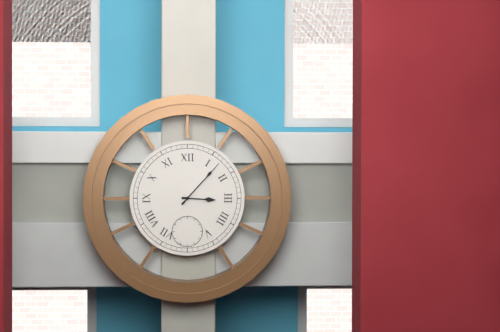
3h07
